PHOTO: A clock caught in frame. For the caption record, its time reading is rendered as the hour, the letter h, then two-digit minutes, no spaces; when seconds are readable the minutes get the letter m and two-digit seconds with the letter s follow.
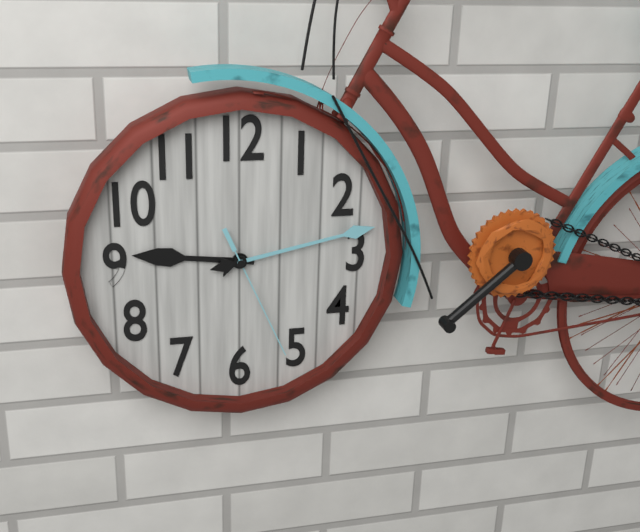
9h13m26s
